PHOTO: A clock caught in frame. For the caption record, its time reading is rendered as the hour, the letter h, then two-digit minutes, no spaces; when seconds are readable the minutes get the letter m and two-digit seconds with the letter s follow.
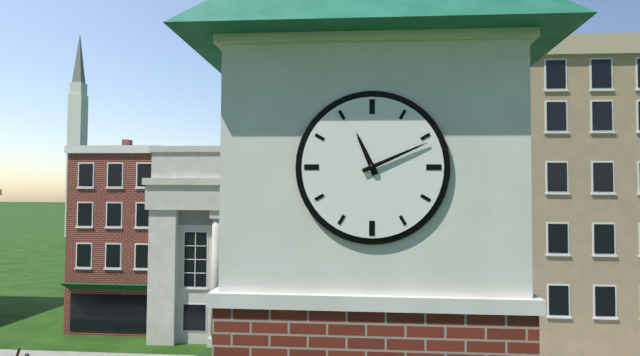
11h11
